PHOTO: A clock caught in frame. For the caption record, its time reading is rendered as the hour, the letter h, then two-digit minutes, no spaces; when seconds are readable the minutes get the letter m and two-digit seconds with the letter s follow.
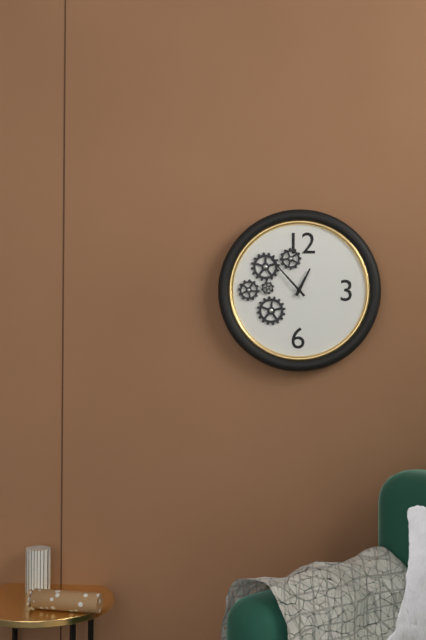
12h53
